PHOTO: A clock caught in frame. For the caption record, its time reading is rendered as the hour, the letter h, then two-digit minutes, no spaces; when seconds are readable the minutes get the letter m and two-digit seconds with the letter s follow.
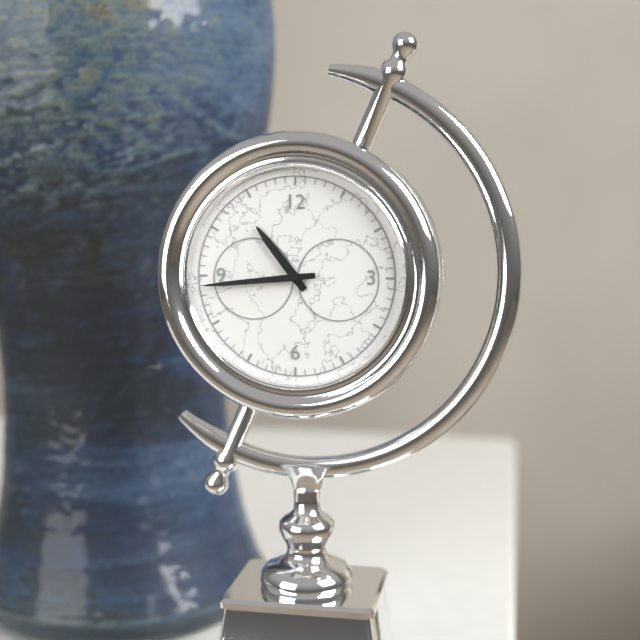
10h44
